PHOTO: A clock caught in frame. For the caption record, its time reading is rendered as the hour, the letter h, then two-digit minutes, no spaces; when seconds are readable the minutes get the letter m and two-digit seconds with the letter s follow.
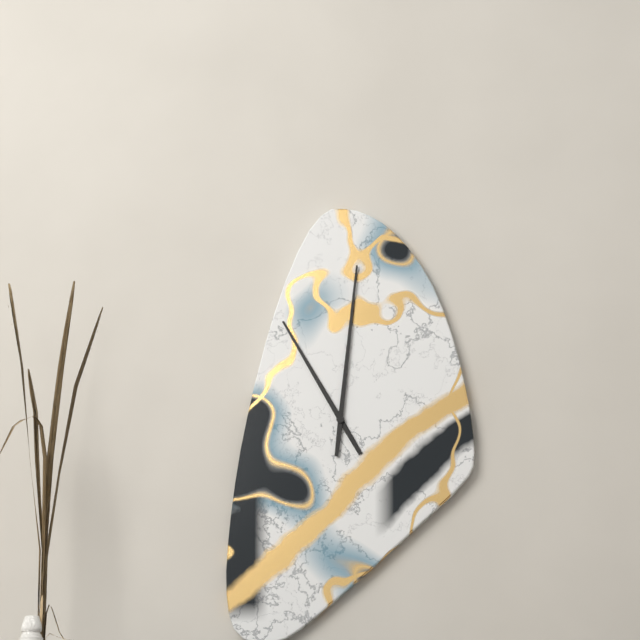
11h01
